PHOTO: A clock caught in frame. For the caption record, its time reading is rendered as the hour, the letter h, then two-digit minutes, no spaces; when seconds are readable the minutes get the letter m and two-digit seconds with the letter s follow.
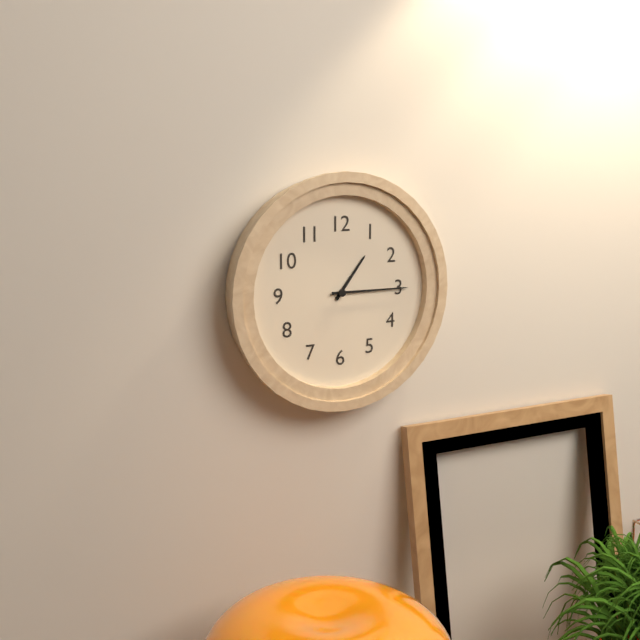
1h15
